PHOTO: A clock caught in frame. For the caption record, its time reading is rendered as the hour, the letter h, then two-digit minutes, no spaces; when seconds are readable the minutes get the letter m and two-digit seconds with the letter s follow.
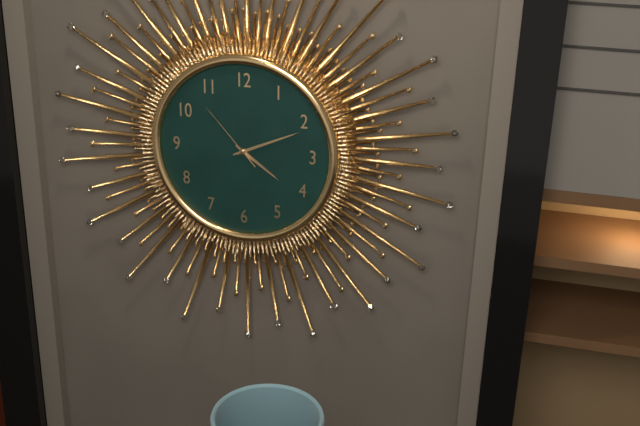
4h11m53s
